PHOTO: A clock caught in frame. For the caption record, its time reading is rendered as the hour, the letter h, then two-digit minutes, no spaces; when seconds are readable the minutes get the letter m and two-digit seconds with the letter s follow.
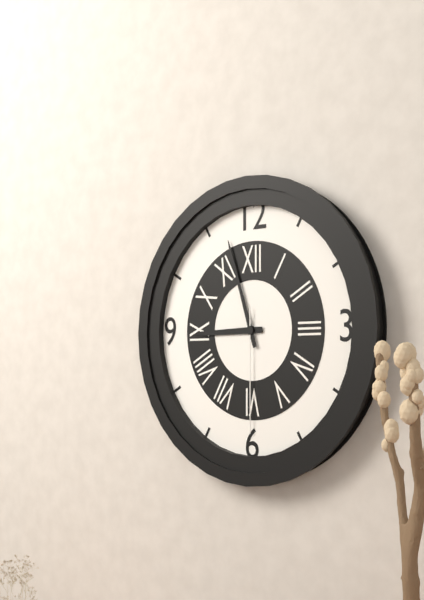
8h57m30s
